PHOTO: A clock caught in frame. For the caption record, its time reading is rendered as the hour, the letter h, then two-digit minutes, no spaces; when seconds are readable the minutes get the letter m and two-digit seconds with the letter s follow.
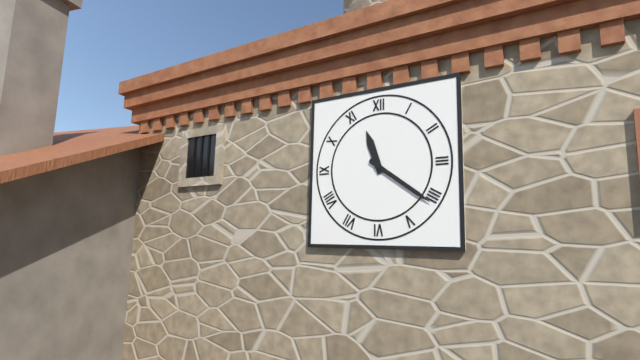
11h21
